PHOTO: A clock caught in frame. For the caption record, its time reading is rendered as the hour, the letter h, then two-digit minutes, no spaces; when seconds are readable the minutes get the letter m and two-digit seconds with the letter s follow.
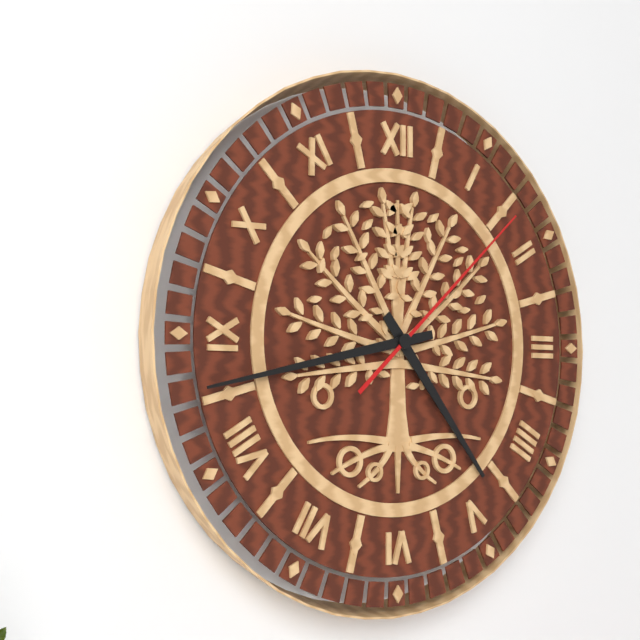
4h43m08s
